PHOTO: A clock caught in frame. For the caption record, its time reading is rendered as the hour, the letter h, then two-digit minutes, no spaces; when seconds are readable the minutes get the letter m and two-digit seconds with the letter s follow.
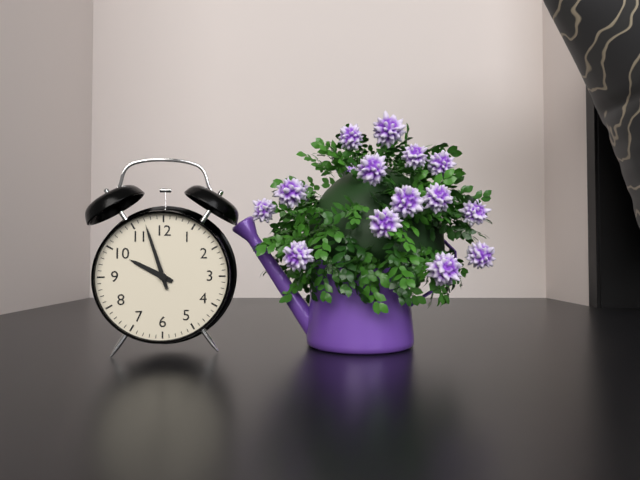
9h57
